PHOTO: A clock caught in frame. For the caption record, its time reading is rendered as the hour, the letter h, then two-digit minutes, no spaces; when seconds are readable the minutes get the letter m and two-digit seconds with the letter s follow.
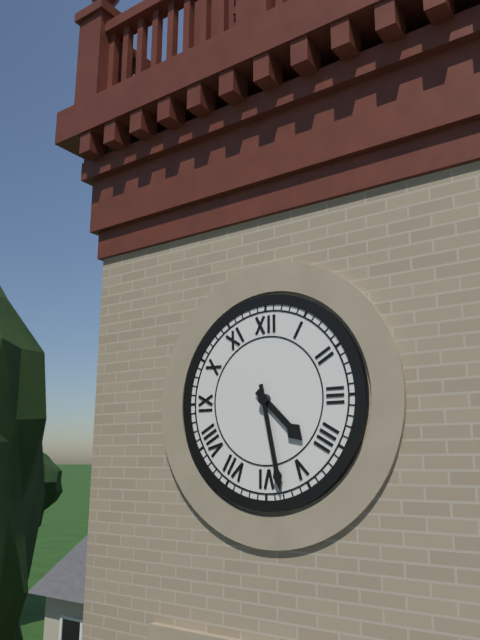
4h28
